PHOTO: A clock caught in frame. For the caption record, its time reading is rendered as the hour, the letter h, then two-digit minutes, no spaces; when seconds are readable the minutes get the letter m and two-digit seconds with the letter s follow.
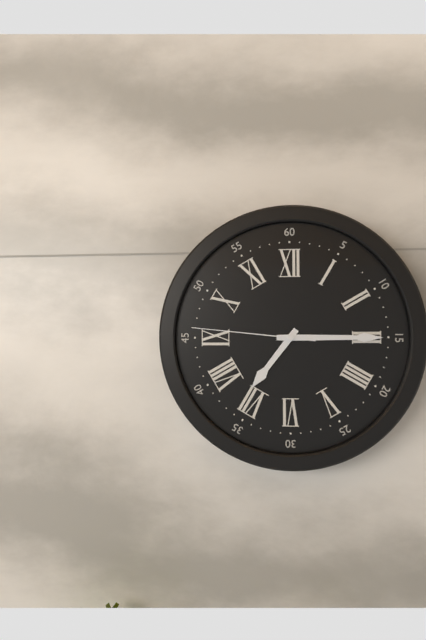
7h15m46s
